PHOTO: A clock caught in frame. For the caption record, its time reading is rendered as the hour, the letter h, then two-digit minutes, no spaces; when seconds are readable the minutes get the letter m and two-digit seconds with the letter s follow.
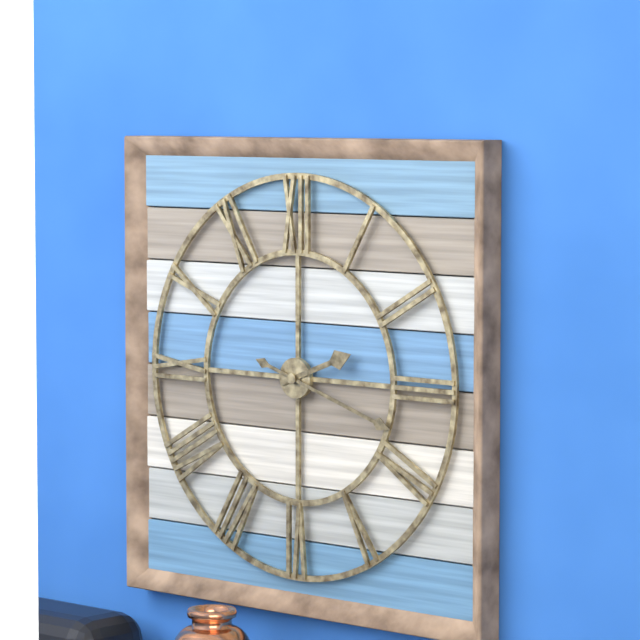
2h18
